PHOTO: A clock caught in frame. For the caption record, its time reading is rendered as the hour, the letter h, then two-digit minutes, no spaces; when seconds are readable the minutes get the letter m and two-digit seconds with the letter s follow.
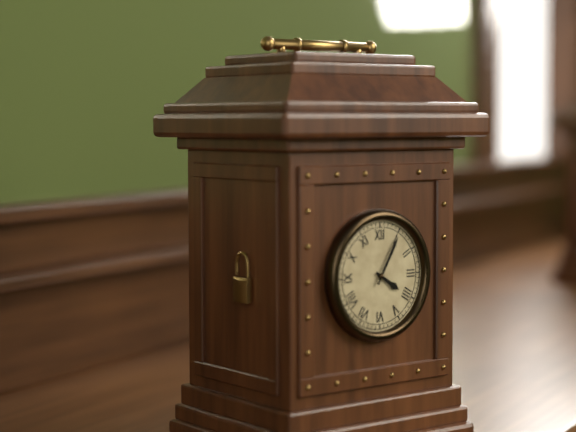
4h05
